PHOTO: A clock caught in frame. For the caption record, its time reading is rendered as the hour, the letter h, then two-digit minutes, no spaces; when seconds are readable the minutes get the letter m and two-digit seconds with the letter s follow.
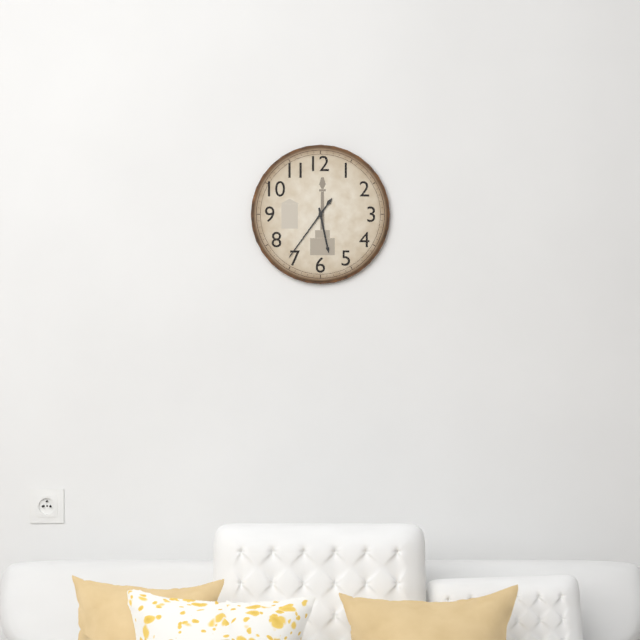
5h36
